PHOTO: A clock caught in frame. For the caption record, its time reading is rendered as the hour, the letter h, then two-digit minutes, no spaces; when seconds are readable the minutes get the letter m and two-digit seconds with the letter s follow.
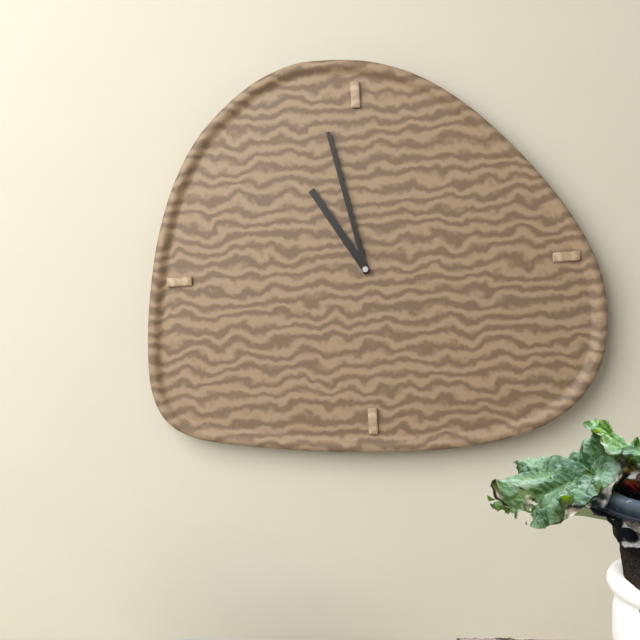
10h58
